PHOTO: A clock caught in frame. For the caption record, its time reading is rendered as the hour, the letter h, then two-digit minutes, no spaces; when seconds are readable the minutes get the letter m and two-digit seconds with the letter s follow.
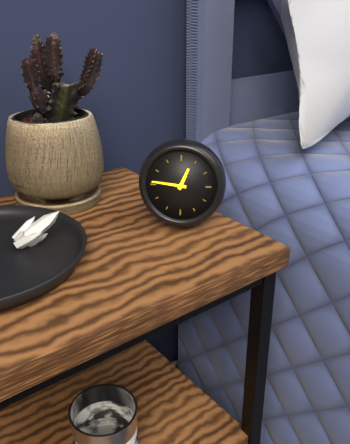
12h46
